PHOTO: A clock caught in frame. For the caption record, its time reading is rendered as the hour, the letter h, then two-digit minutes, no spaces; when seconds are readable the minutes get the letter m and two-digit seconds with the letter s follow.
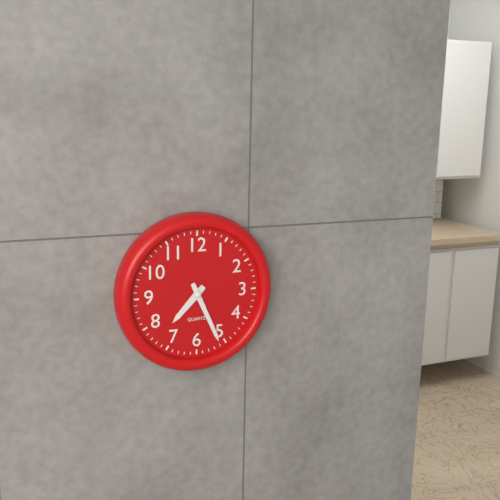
7h26
